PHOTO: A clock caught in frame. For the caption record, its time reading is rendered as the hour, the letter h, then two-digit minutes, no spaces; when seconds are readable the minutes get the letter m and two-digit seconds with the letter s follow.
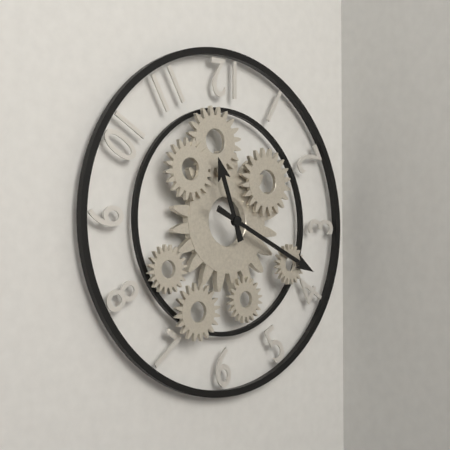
11h19
